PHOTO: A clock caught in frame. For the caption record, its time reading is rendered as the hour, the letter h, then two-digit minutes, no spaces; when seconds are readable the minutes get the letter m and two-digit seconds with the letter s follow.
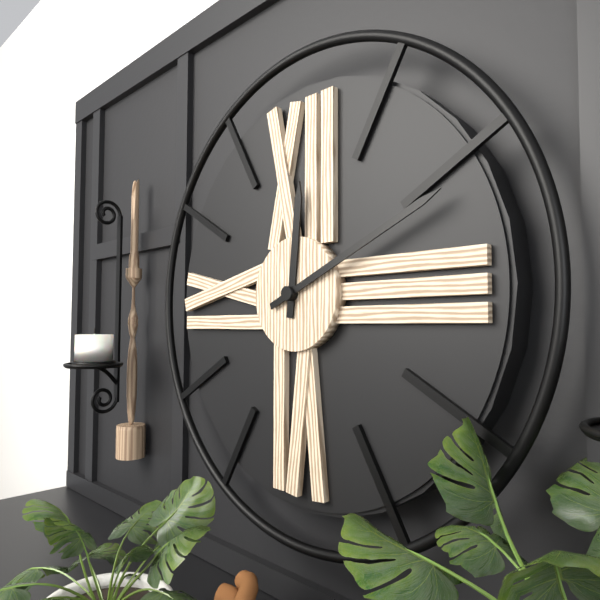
12h11
